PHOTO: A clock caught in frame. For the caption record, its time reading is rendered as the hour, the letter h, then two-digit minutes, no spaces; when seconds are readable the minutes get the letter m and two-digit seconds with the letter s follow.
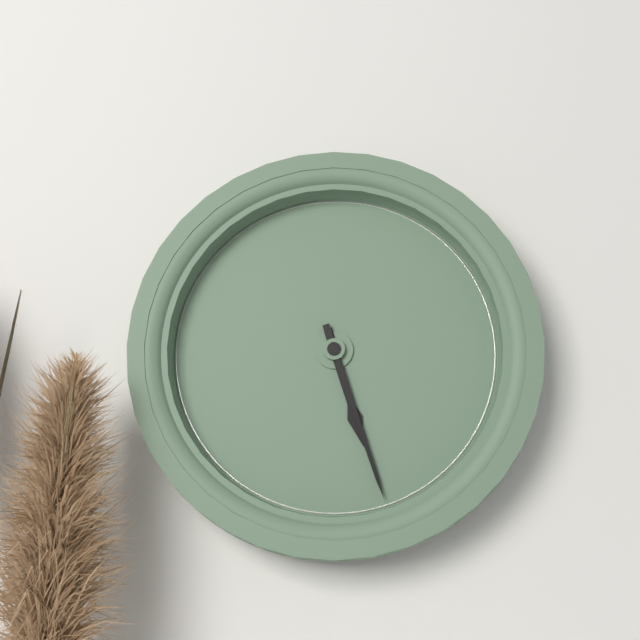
5h27
